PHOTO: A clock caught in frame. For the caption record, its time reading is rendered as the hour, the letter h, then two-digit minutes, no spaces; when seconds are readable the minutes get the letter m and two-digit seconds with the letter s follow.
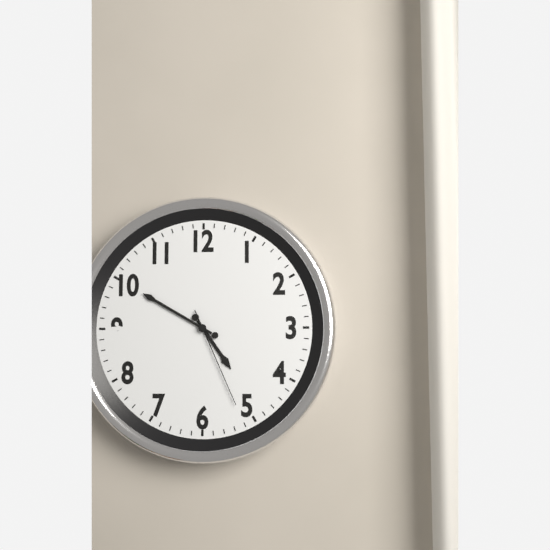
4h50m26s
